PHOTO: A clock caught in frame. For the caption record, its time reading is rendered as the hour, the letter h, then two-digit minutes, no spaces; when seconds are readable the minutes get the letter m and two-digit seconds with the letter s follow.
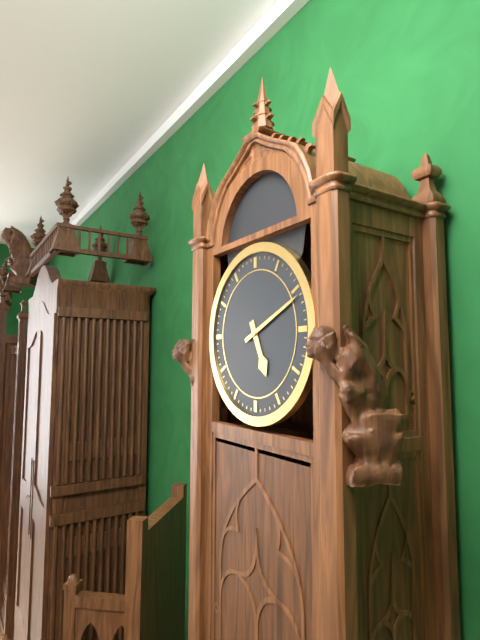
5h11
